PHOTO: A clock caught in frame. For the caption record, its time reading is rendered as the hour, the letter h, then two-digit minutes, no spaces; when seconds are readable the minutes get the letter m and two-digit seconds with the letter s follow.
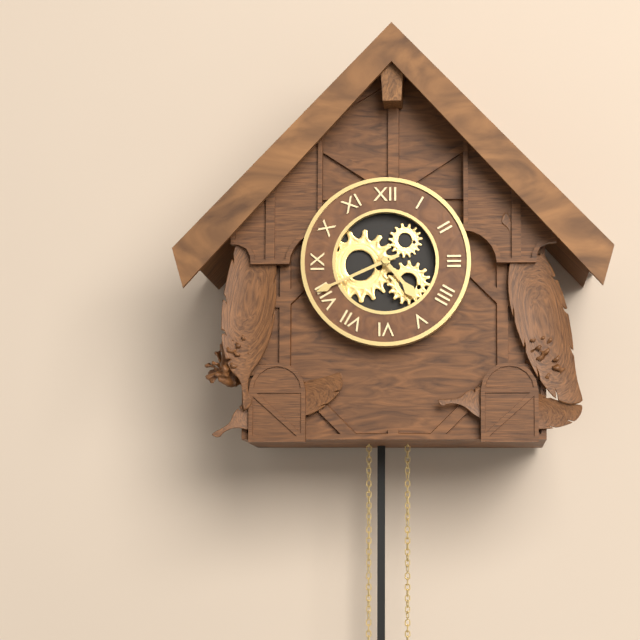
4h41
